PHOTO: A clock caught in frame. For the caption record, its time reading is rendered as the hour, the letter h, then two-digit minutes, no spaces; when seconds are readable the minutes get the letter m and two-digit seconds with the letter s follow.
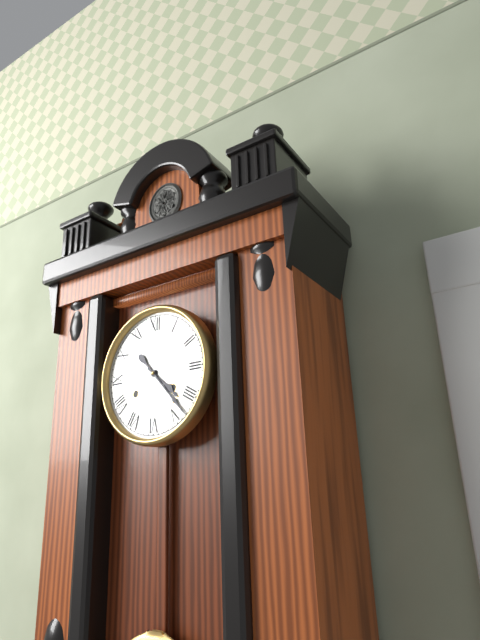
4h23
